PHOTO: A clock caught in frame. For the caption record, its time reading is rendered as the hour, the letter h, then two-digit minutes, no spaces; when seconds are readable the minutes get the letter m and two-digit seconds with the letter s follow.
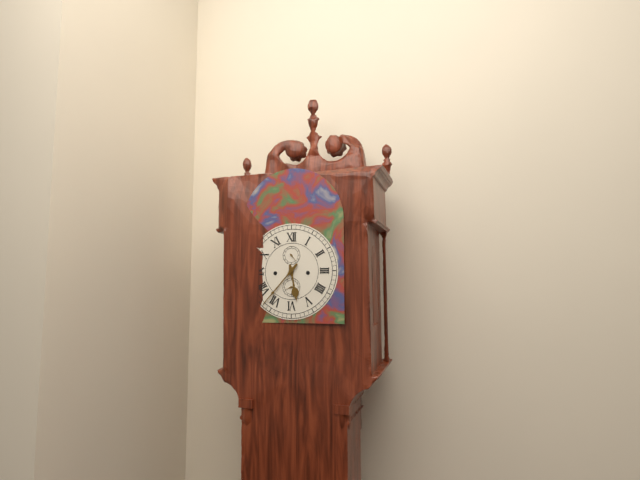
5h37
